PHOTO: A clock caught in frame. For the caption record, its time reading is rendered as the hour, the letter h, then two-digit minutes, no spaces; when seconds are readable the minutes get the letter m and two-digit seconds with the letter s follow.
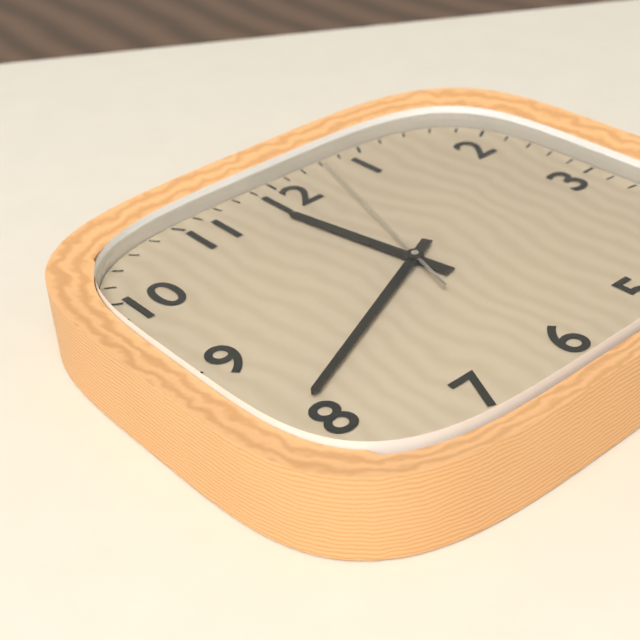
11h41m03s
